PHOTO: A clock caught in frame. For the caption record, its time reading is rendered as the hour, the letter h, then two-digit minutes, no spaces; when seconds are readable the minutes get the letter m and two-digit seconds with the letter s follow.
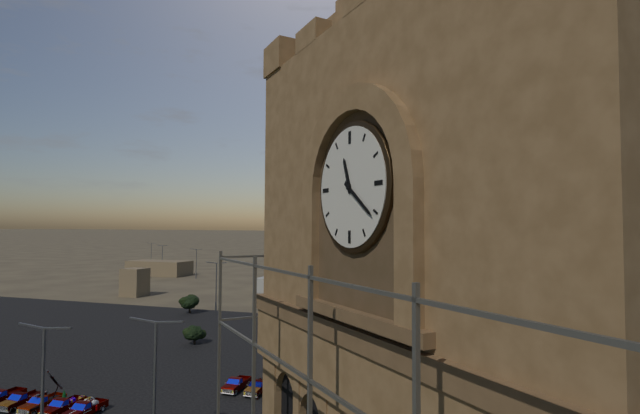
11h21
